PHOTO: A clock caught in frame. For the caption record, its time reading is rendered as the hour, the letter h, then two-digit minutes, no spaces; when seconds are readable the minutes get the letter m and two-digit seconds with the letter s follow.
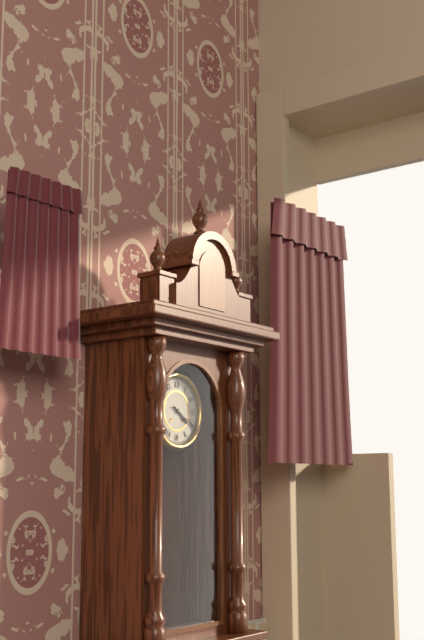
4h20
